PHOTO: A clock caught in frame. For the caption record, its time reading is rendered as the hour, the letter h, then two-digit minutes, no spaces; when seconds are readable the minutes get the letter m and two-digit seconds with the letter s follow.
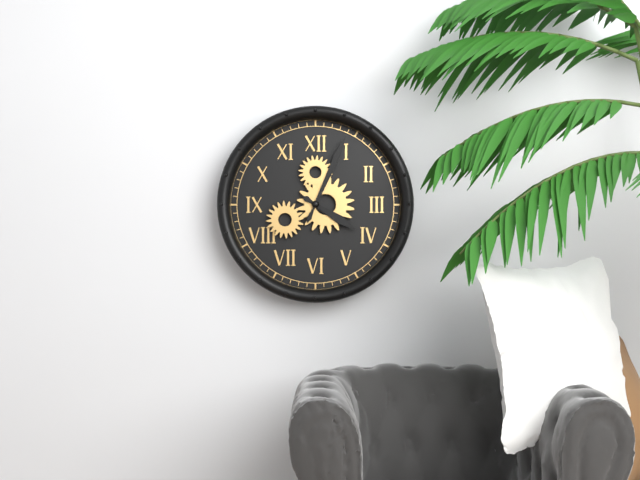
4h04
